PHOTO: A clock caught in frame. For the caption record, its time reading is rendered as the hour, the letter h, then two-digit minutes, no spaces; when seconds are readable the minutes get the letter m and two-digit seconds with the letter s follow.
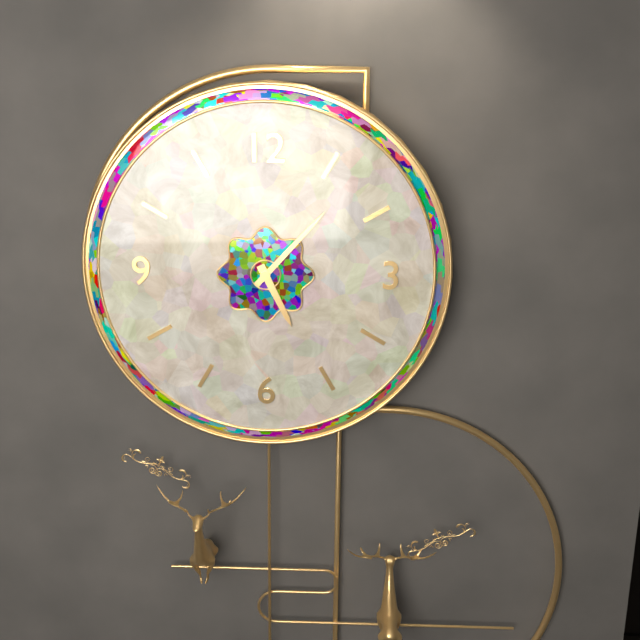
5h07
